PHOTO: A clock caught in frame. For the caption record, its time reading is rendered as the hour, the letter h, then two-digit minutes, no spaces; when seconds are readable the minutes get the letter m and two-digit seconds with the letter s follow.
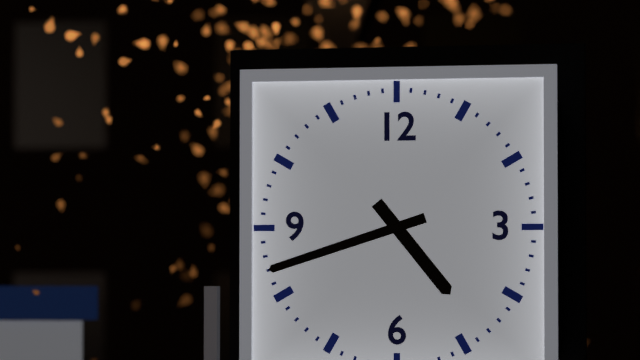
4h42
